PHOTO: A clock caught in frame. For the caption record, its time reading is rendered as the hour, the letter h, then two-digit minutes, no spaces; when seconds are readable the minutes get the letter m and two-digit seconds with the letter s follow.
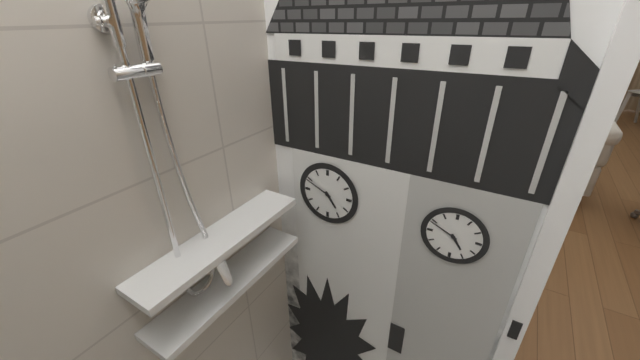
4h49
